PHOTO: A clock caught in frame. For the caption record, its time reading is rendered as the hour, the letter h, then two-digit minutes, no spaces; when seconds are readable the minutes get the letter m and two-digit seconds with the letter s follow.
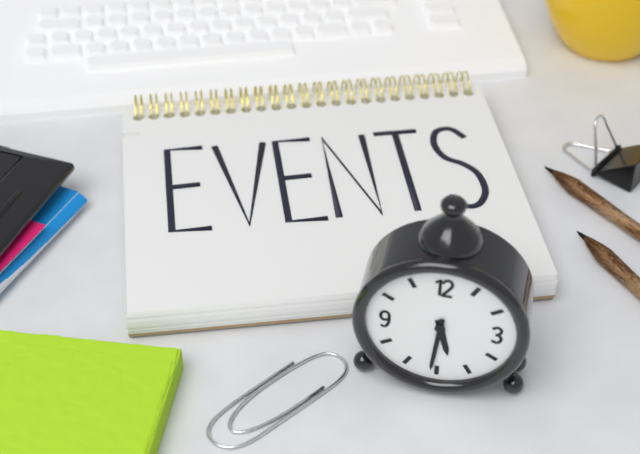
5h31
